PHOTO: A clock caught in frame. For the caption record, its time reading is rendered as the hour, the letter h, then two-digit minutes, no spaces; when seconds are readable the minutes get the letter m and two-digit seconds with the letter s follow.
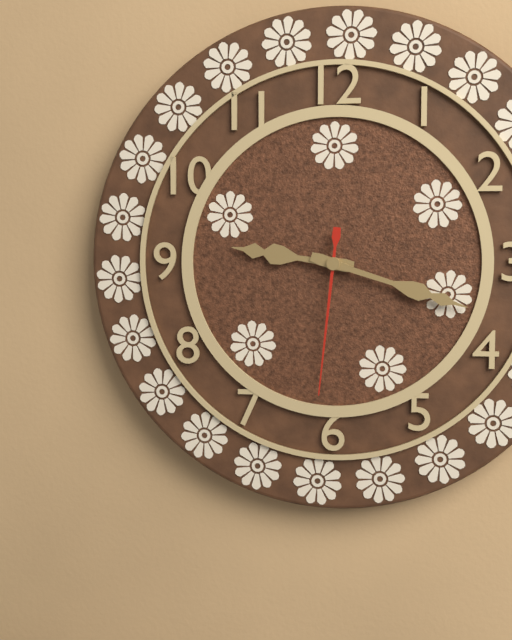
9h18m31s
